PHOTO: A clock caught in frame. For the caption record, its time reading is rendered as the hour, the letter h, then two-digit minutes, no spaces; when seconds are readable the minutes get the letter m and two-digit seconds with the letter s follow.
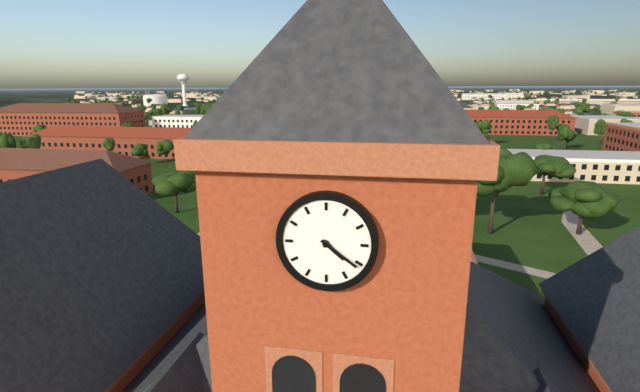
4h21
